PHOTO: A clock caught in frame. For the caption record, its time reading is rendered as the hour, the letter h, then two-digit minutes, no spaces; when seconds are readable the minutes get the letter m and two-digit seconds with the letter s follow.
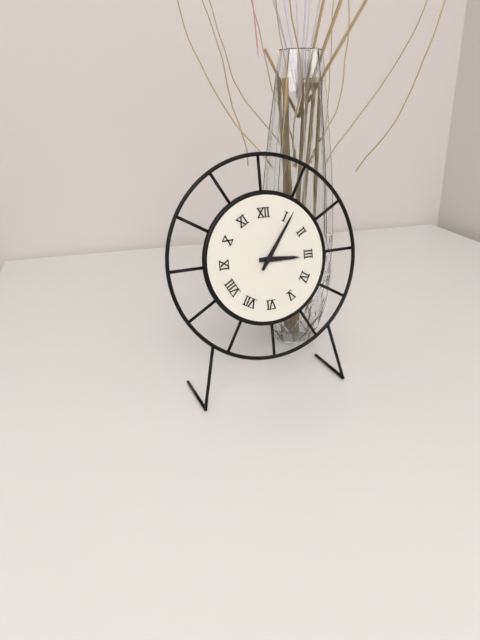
3h06
